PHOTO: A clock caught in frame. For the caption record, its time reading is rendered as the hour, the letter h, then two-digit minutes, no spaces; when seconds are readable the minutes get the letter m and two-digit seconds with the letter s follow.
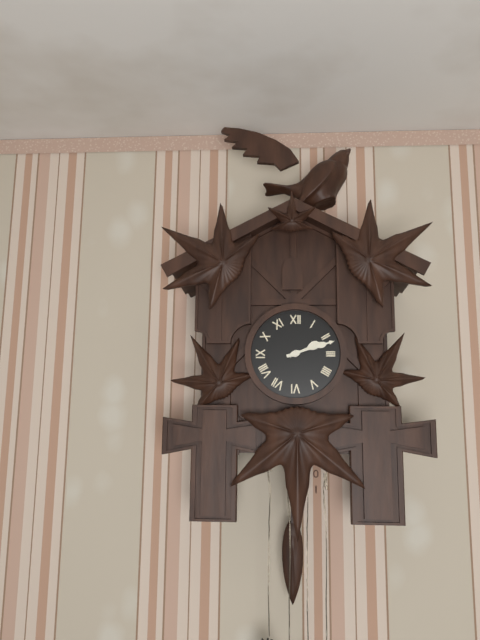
2h12
